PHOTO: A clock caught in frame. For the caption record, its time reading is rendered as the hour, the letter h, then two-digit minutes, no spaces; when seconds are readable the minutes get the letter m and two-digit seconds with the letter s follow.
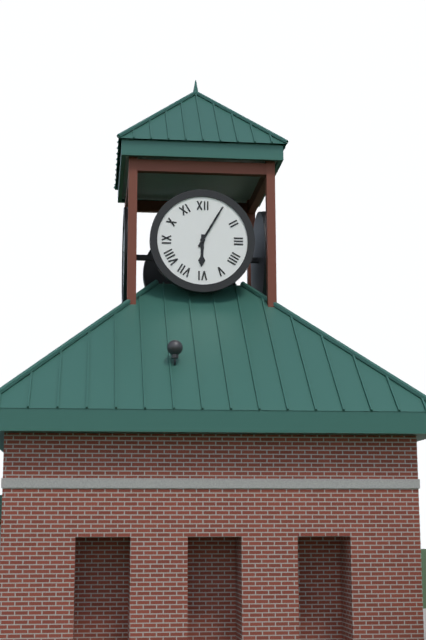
6h05
